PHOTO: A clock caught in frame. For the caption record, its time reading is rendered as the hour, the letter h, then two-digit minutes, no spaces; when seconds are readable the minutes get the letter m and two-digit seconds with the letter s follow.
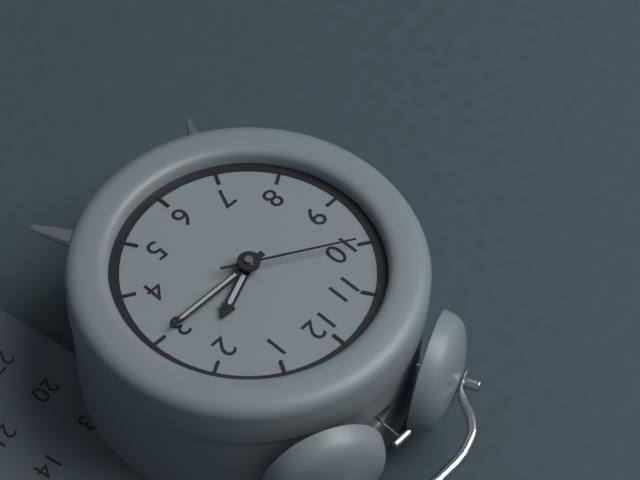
2h15m50s
